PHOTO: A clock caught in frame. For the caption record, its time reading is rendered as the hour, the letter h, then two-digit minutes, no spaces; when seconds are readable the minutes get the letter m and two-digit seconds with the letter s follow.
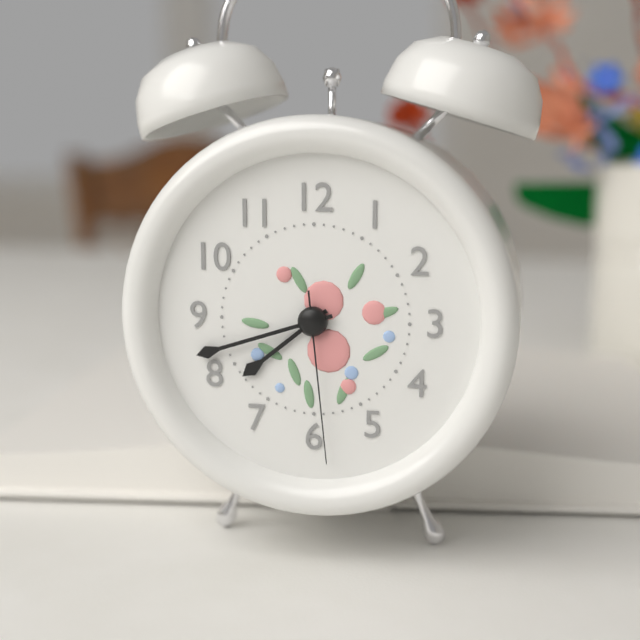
7h42m29s
